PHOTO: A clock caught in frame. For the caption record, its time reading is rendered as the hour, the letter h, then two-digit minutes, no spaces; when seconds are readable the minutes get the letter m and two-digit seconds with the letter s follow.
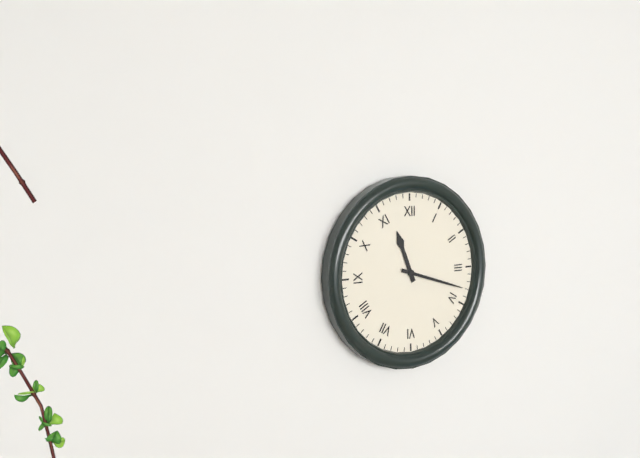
11h18
